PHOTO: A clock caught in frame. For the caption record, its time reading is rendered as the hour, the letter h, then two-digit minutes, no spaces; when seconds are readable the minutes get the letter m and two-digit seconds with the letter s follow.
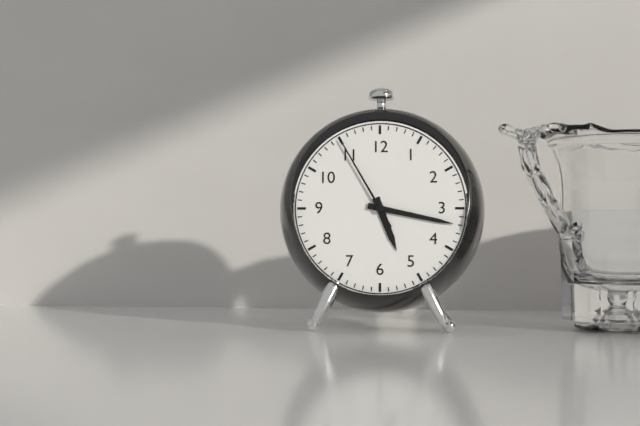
5h17m55s
